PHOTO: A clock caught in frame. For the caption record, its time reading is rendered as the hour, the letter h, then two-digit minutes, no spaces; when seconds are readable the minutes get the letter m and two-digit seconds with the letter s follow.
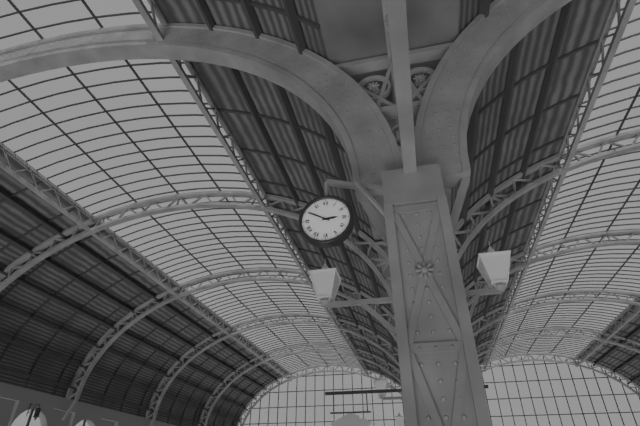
2h50
